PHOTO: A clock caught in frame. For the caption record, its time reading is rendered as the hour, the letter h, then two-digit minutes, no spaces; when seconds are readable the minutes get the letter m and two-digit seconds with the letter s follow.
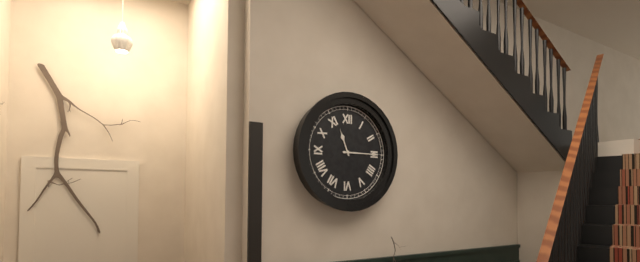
11h15
